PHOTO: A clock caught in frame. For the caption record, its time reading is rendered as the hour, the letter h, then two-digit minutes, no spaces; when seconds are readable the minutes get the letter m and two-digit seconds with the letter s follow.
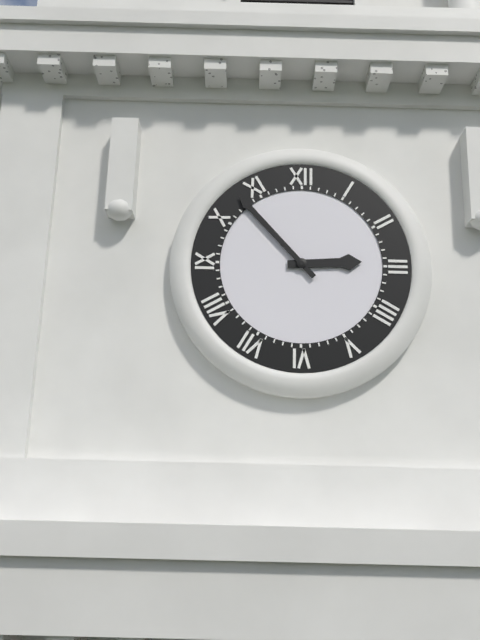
2h53
